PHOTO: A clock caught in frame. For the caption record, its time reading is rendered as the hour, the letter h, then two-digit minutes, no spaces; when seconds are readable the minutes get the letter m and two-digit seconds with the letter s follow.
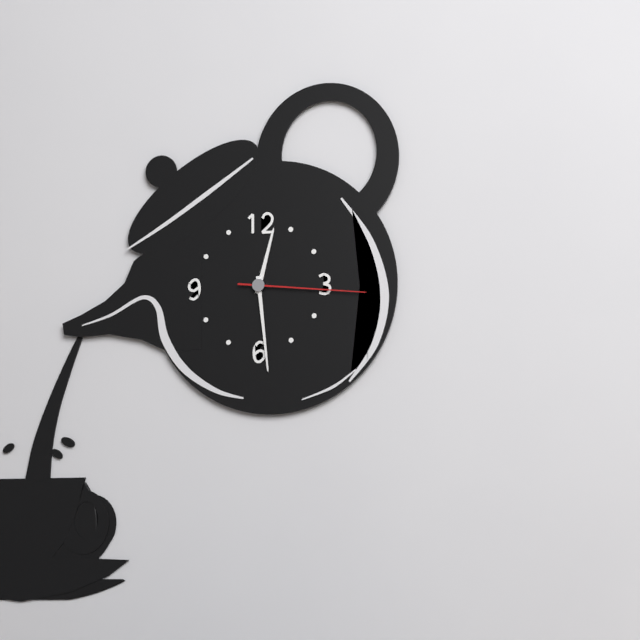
12h29m16s
